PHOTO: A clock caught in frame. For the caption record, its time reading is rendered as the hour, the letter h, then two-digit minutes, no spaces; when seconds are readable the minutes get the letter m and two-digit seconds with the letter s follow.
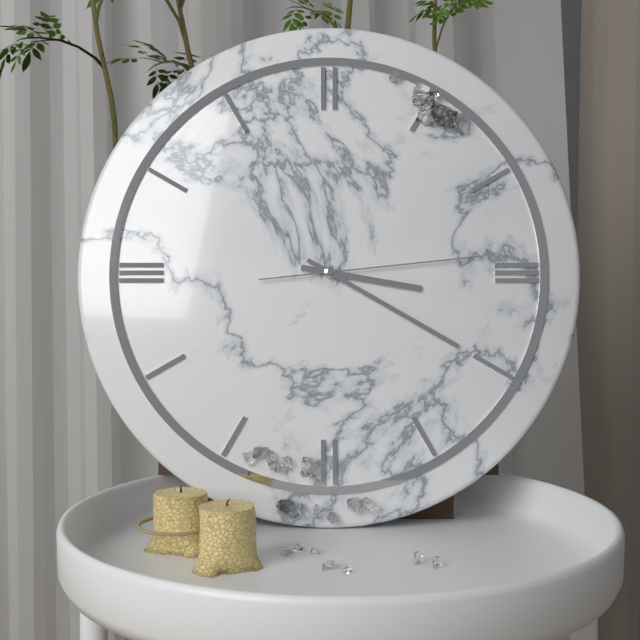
3h20m14s
